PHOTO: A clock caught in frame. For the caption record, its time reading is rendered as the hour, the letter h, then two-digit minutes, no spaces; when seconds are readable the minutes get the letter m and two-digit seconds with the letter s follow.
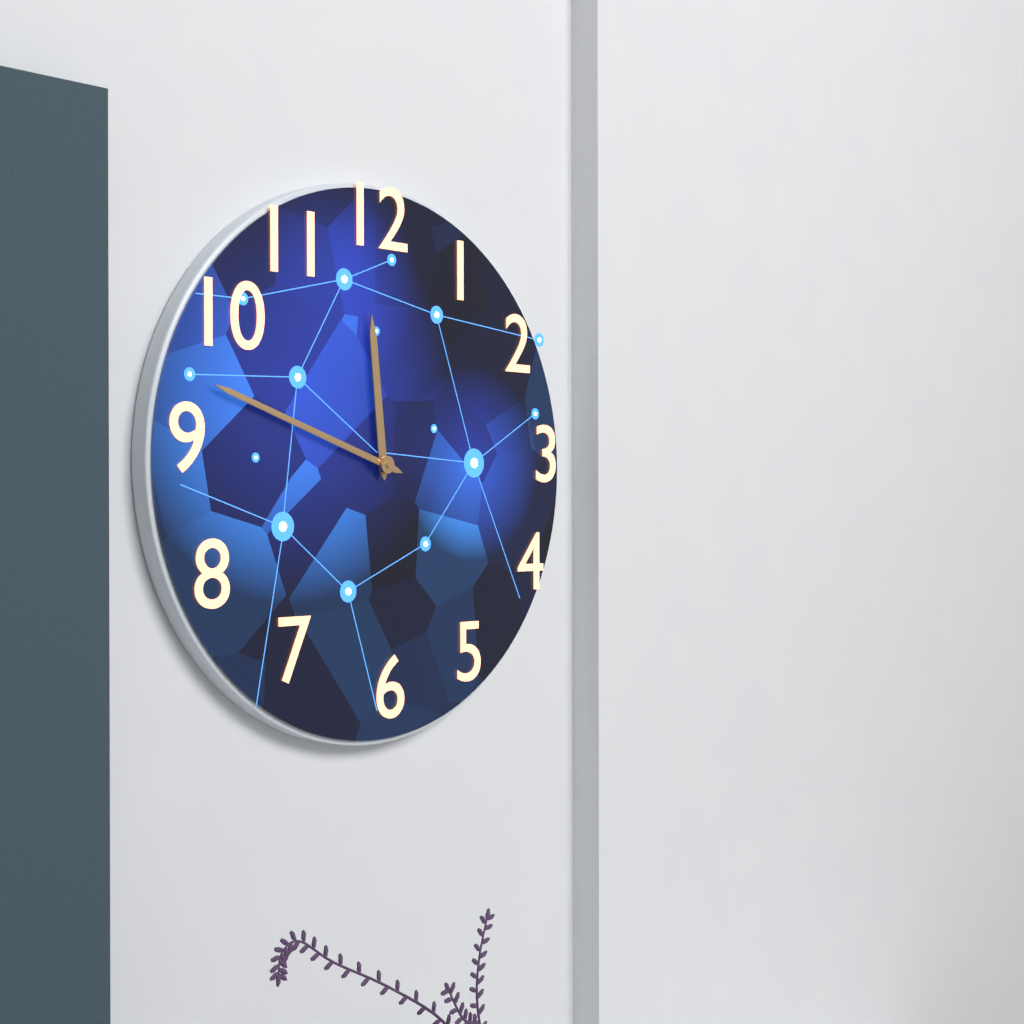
11h48
